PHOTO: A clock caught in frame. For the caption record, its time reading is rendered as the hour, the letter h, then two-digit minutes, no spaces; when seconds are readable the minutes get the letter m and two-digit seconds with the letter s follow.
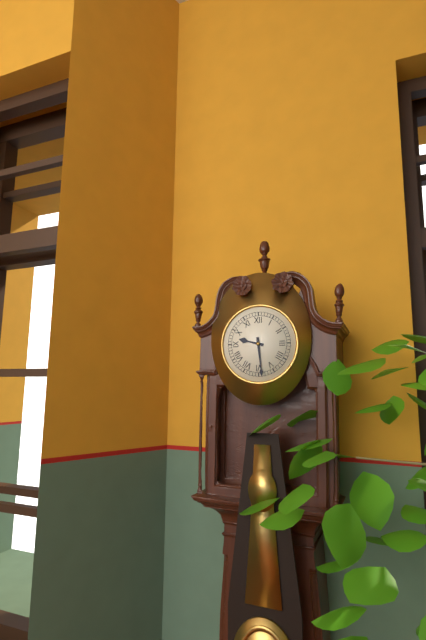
9h29
